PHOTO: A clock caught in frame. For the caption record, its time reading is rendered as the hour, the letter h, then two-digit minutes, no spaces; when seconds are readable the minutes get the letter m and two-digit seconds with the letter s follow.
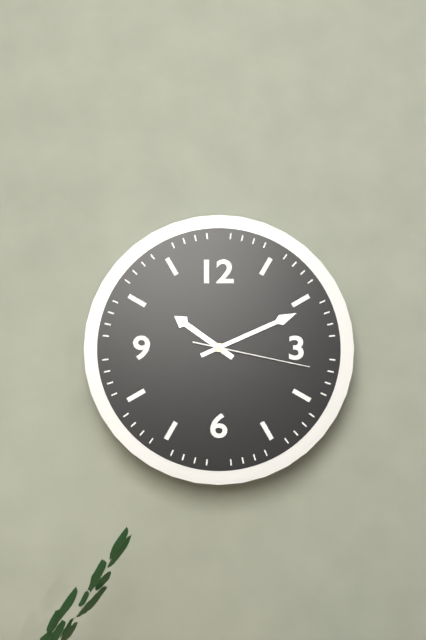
10h11m17s
